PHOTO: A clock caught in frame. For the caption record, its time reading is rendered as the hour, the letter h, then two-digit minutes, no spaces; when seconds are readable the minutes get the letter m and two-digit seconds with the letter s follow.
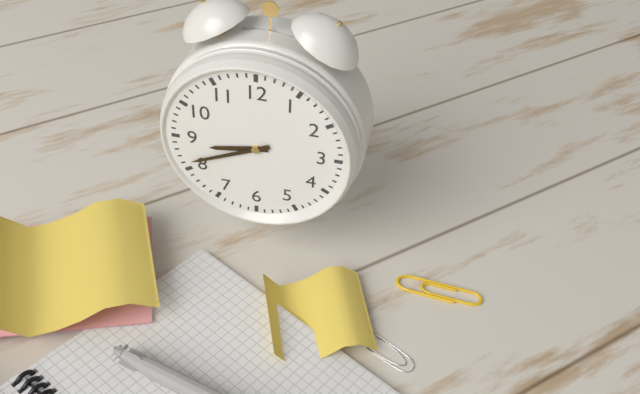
8h41
